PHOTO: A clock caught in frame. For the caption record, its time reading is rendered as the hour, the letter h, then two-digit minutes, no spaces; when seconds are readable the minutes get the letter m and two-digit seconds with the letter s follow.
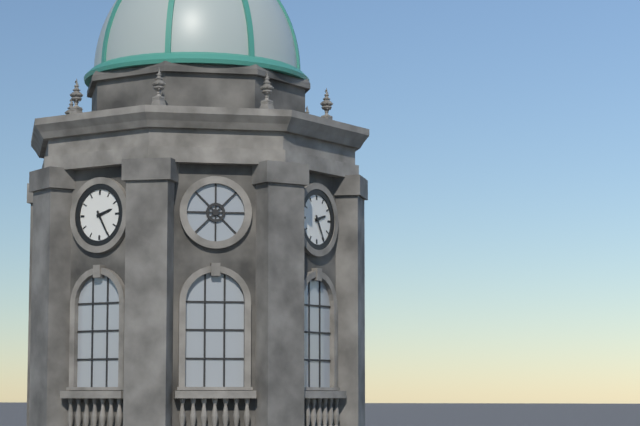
2h25
